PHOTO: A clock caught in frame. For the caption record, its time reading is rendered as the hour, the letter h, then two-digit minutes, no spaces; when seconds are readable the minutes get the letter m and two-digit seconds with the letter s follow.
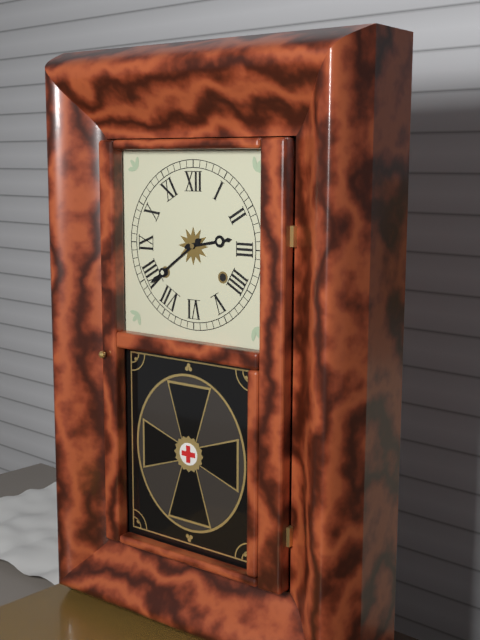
2h39
